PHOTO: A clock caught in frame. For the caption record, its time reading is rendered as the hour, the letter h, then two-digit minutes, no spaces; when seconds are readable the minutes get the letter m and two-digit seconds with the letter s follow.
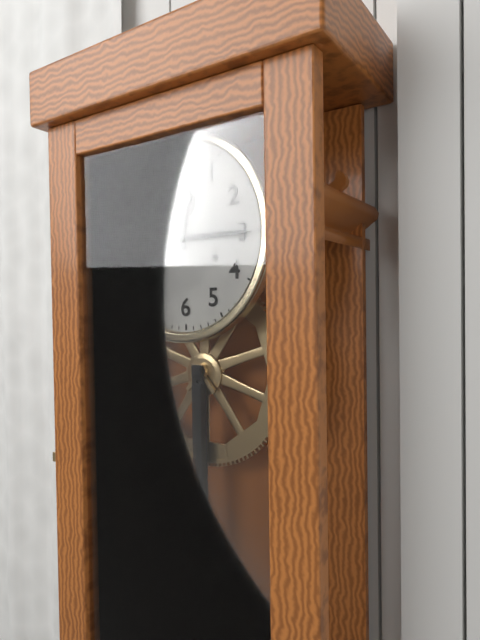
12h15
